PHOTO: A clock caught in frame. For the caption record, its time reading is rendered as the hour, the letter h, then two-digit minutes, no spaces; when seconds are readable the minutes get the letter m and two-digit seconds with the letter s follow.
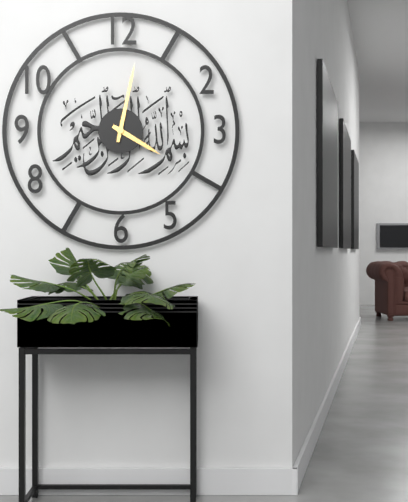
4h02
